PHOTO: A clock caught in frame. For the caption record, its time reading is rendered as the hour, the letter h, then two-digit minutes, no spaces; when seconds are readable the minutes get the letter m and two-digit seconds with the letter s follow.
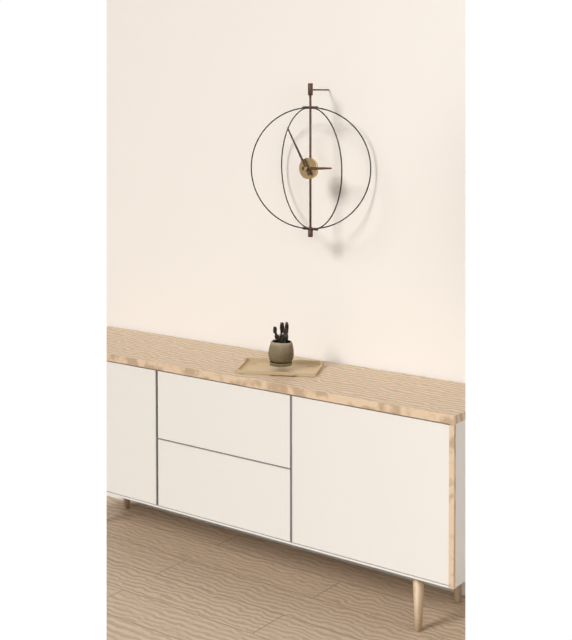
2h55
